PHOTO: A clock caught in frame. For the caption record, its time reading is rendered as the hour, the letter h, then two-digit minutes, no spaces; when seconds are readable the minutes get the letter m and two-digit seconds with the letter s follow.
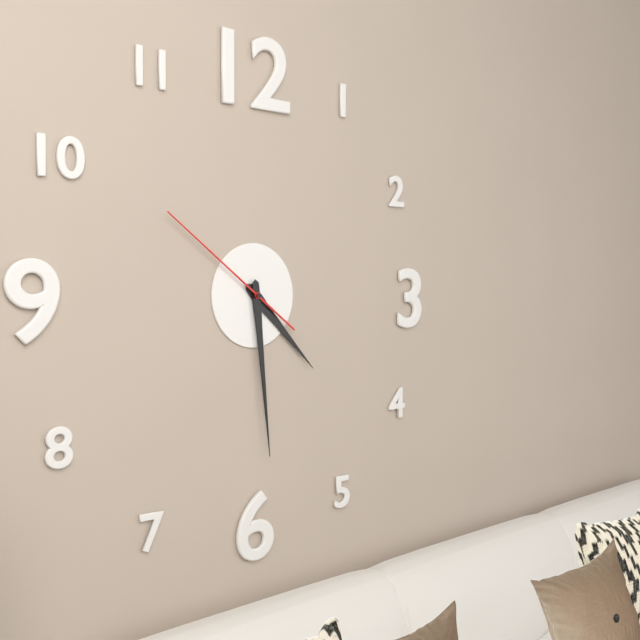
4h29m51s
